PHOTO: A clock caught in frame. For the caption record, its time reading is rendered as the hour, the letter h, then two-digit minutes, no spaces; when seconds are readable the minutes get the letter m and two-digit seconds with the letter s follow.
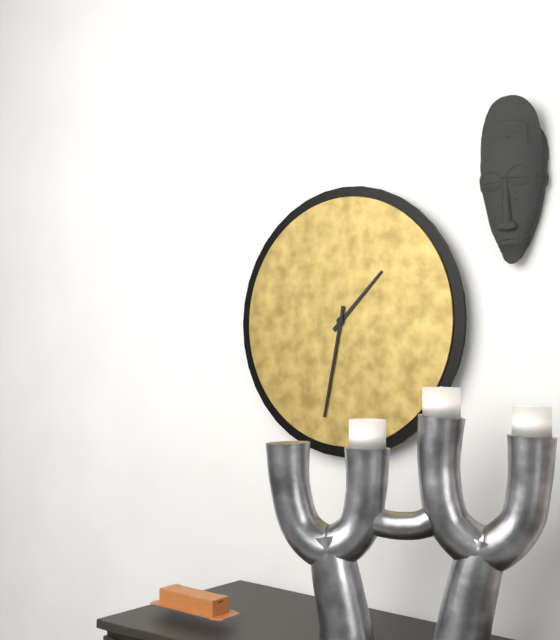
1h32
